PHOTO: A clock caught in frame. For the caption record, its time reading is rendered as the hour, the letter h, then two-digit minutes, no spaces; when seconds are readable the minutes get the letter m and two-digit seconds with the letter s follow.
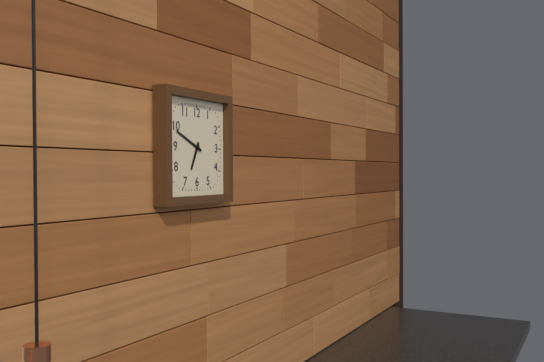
6h49
